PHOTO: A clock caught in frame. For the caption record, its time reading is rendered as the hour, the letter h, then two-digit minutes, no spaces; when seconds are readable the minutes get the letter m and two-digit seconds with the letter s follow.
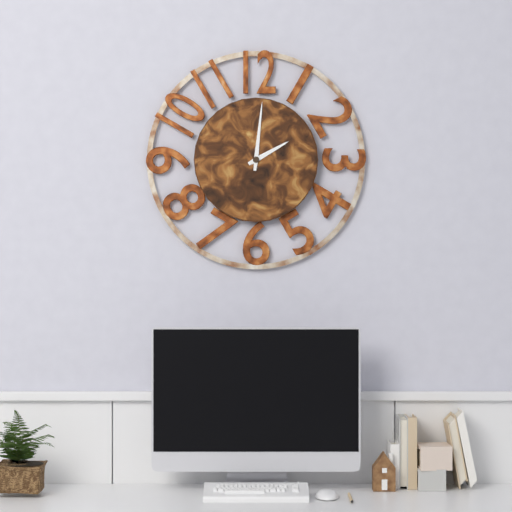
2h01
